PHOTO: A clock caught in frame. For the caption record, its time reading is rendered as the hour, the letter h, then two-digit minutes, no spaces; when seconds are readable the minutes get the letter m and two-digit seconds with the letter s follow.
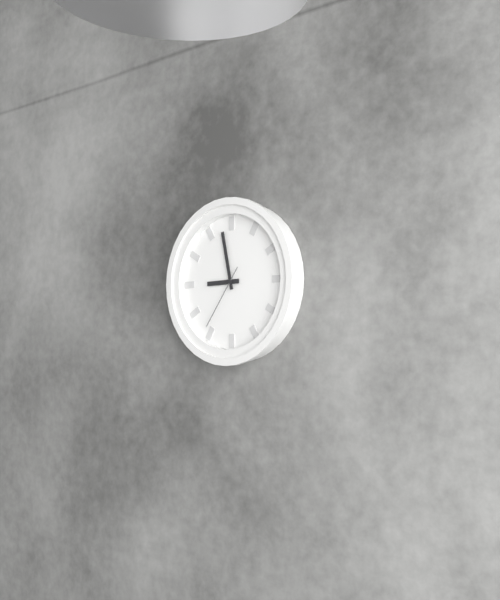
8h58m36s
